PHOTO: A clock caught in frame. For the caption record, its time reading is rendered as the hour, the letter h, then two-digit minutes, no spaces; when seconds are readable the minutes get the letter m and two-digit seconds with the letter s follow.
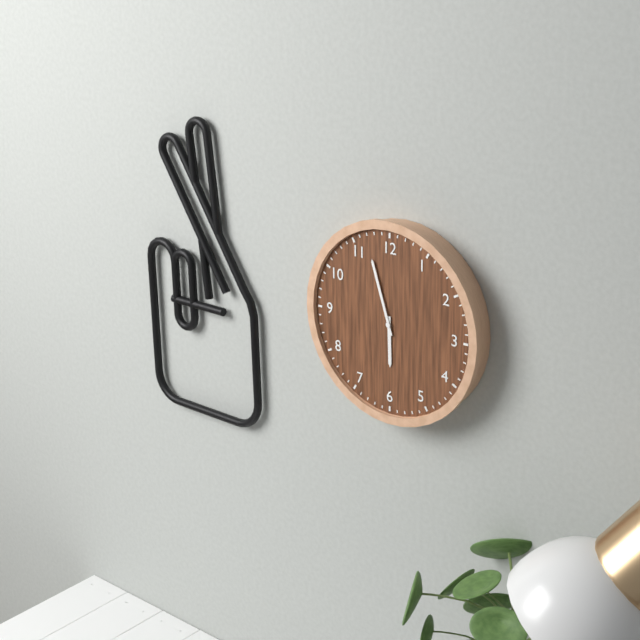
5h57
